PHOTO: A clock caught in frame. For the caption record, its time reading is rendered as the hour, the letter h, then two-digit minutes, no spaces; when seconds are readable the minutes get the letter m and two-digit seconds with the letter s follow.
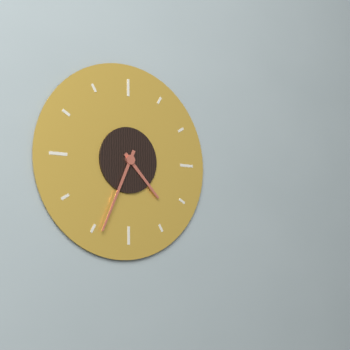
4h34
